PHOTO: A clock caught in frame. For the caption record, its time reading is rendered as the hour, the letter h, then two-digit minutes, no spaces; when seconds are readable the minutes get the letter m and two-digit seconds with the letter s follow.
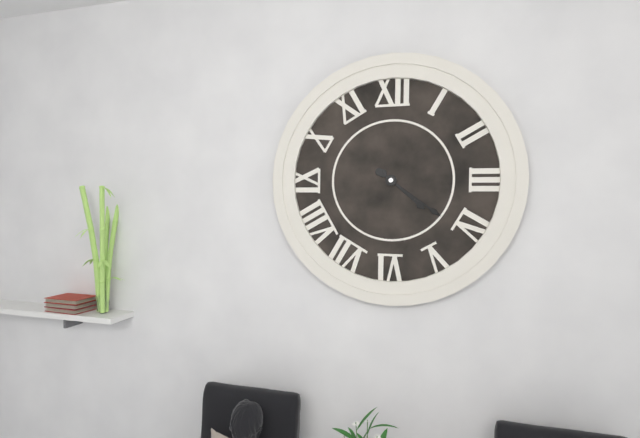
4h21
